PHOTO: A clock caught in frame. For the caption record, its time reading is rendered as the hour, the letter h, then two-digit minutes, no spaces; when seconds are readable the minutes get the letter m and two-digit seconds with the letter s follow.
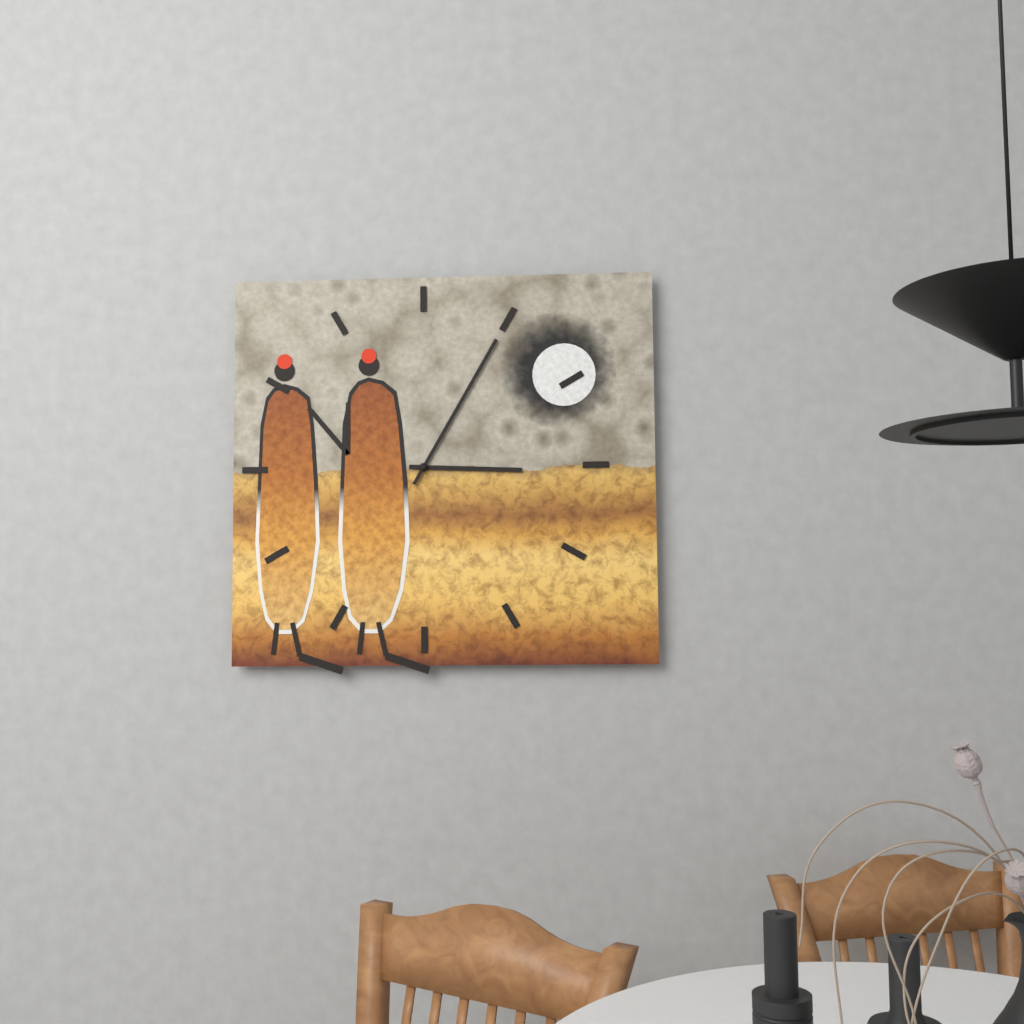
3h05
